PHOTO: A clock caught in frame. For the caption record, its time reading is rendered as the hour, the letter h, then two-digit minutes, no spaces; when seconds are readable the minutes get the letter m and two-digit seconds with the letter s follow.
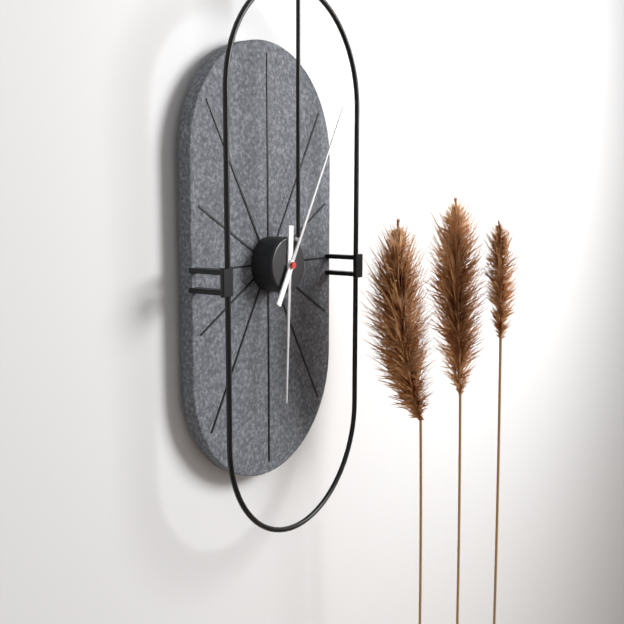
6h05
